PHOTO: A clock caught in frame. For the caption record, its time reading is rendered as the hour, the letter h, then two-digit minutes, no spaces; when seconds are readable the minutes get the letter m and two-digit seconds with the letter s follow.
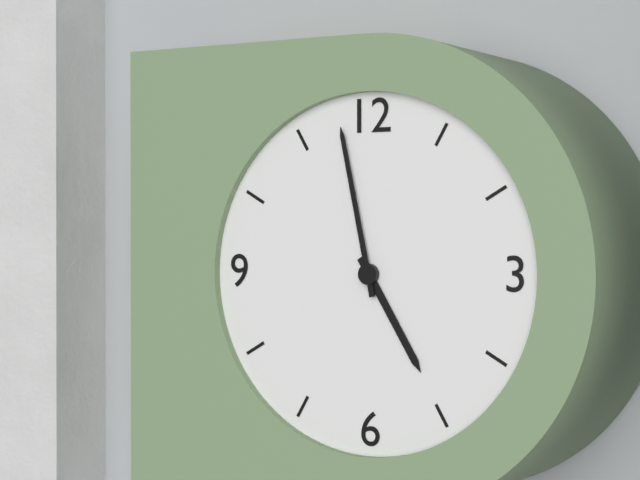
4h58
